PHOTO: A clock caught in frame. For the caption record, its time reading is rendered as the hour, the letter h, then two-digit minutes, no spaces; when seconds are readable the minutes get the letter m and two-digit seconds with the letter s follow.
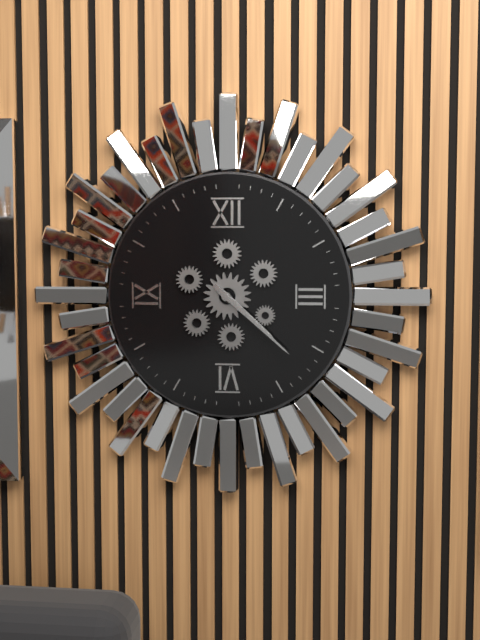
4h22
